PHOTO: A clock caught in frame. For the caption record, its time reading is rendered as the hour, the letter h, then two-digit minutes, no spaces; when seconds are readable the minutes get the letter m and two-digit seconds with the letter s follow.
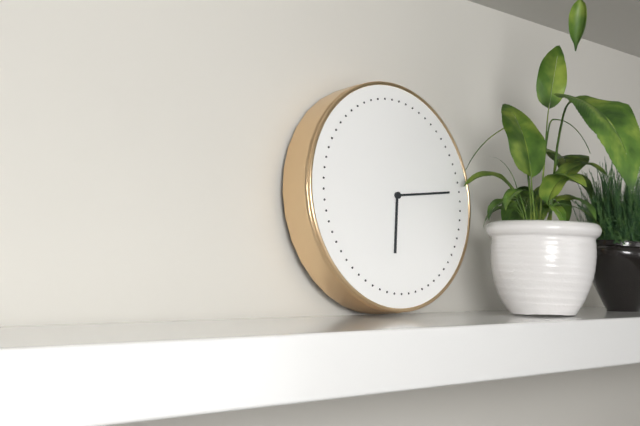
6h14
